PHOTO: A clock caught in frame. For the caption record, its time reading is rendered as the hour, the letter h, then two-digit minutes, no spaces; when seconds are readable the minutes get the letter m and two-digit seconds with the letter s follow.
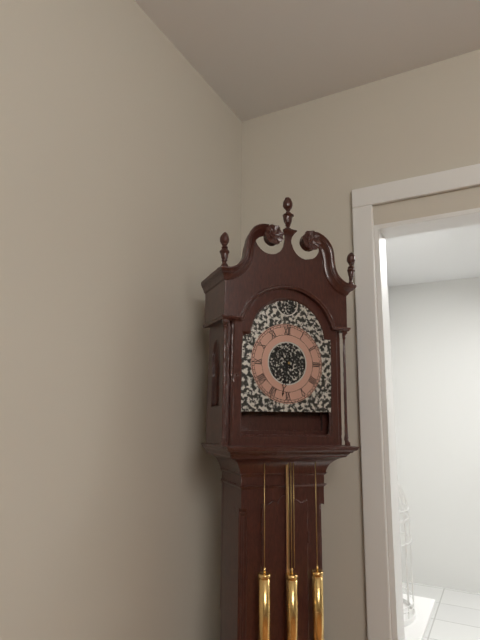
10h32
